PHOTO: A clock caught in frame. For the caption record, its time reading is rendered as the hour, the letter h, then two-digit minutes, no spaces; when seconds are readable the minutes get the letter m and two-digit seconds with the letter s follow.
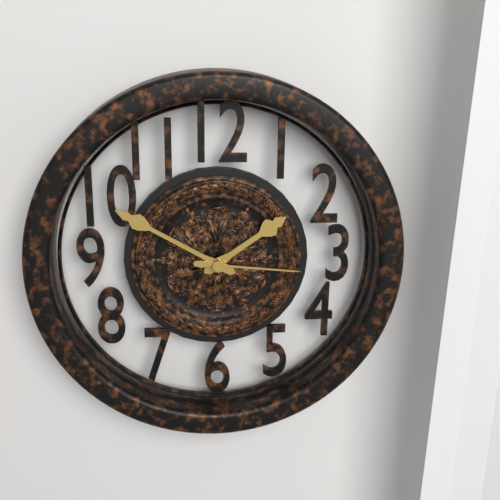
1h50m16s
